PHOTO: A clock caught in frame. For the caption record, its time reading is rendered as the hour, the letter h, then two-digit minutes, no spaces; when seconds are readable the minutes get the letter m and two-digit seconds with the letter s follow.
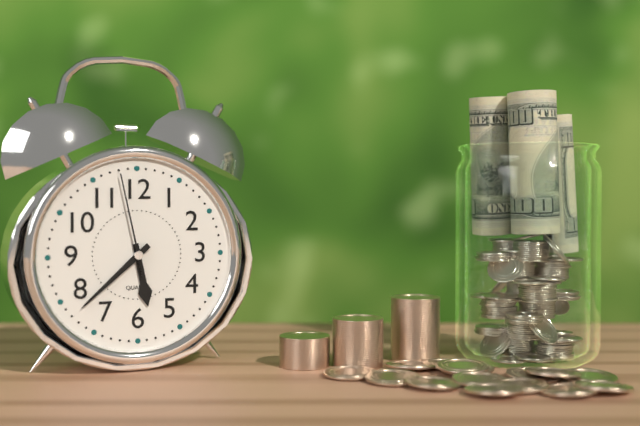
5h38m58s
